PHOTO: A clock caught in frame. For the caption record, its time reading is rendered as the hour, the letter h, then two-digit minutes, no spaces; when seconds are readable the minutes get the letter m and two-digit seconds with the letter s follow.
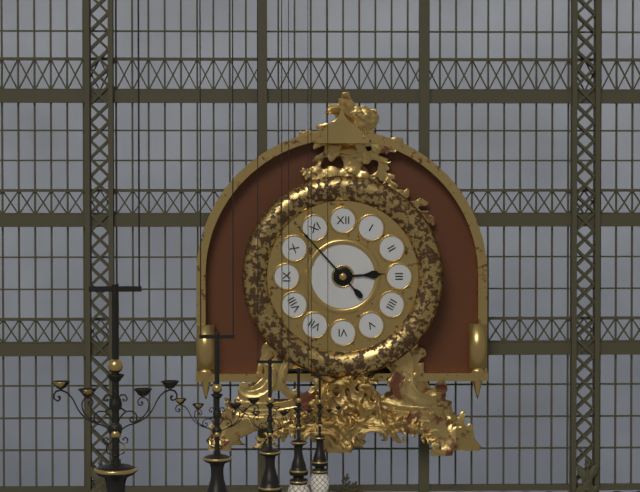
2h53
